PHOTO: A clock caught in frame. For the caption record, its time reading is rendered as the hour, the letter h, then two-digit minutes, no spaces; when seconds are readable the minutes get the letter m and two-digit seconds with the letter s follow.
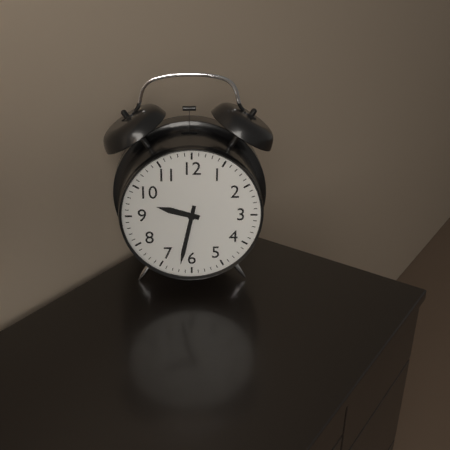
9h32
